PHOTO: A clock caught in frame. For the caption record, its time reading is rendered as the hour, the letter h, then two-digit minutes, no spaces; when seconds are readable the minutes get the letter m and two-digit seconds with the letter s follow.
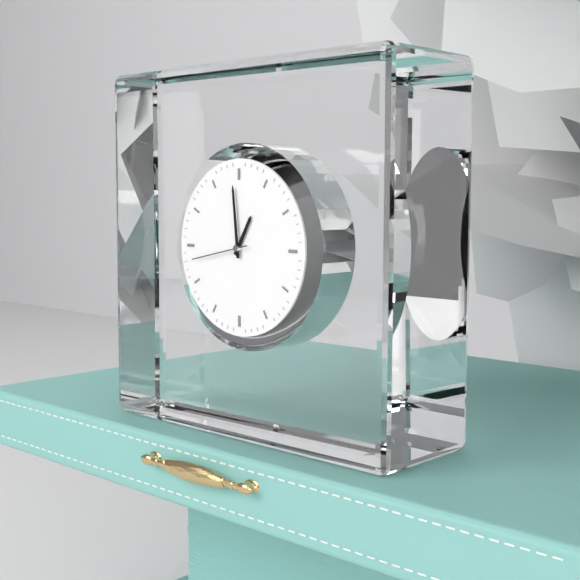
12h59m43s
